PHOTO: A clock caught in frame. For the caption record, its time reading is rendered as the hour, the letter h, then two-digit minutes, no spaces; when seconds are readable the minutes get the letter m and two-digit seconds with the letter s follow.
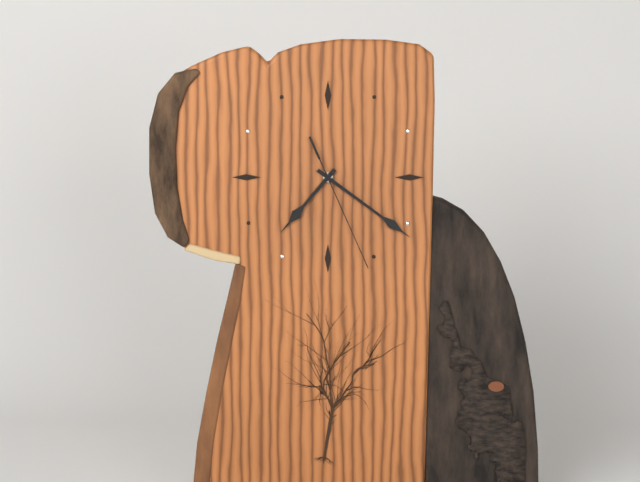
7h21m26s
